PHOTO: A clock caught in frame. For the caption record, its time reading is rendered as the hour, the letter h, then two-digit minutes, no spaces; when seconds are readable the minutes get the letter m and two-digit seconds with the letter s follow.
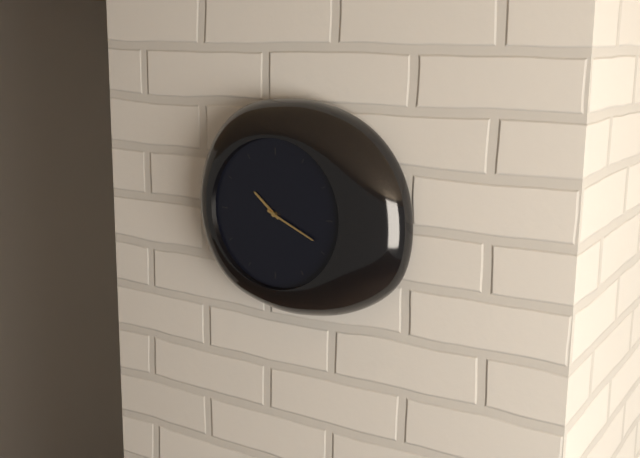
10h19
